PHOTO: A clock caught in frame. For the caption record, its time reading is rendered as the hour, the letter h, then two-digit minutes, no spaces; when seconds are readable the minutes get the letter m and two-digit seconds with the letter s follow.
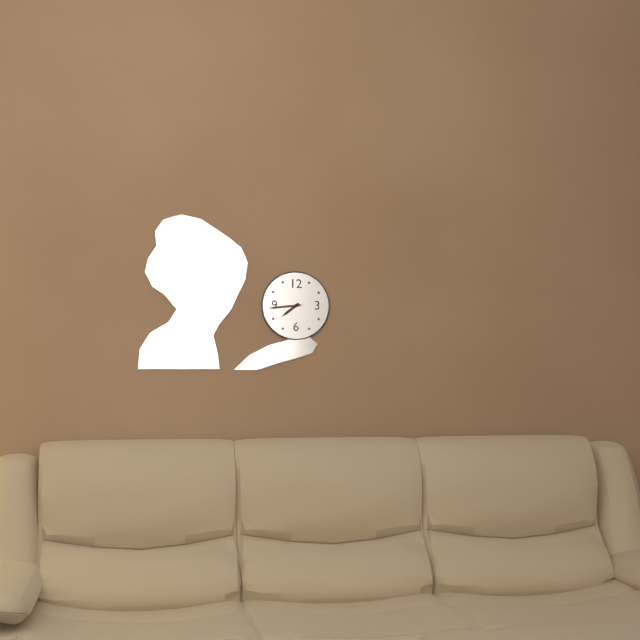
7h44
